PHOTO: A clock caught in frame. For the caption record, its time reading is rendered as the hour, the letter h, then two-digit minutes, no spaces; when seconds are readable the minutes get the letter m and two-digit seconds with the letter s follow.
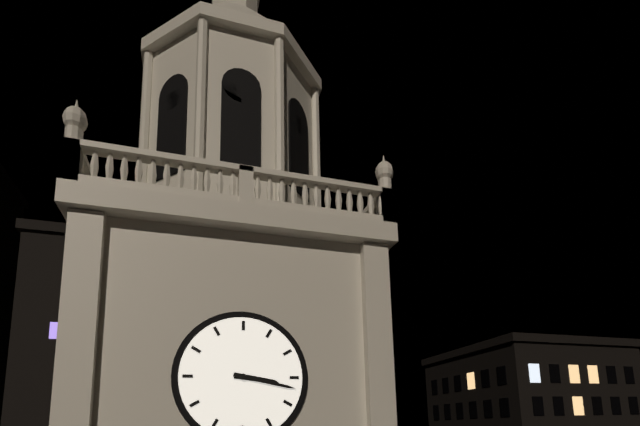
3h17
